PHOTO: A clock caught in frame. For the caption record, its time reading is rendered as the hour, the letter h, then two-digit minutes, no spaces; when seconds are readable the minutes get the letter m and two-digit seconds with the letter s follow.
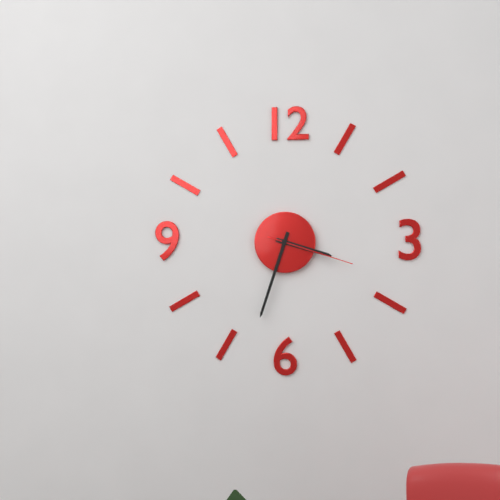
3h33m18s
